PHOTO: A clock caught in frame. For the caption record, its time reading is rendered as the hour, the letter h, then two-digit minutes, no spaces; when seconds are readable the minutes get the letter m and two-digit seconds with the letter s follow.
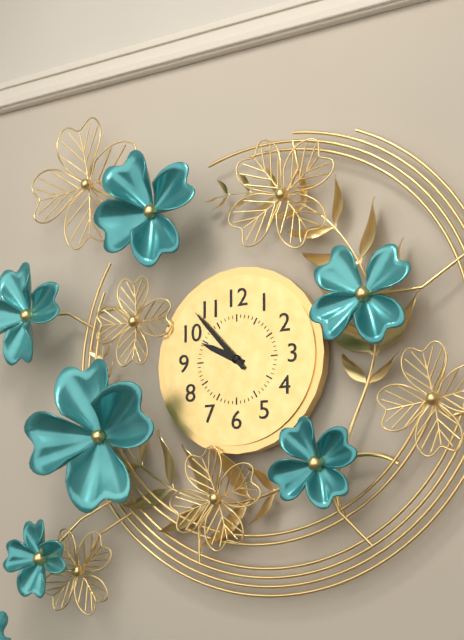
9h53
